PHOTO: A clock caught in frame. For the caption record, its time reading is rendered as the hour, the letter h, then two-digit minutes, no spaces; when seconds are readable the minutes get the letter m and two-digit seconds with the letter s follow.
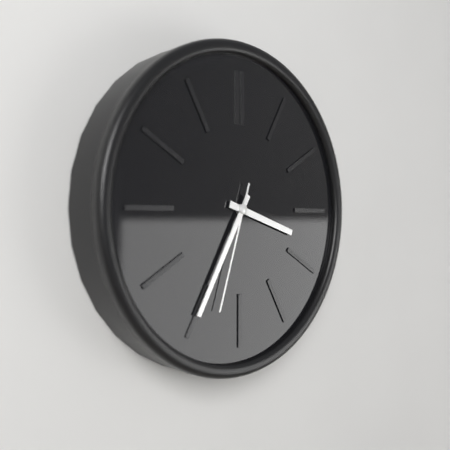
3h35m33s
